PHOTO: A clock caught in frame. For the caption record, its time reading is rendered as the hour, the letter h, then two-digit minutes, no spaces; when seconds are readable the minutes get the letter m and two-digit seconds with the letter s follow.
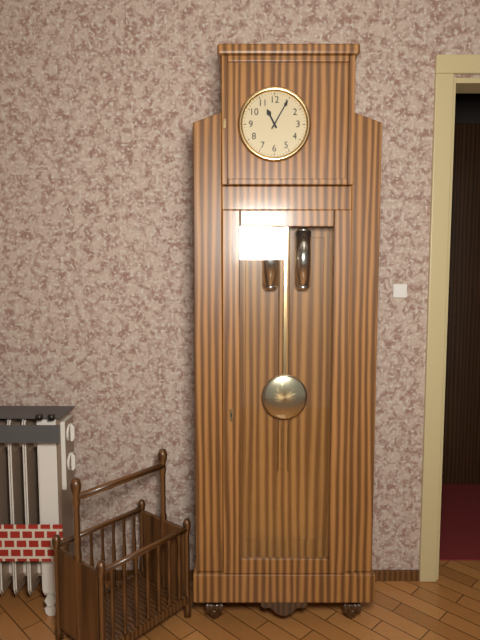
11h05
